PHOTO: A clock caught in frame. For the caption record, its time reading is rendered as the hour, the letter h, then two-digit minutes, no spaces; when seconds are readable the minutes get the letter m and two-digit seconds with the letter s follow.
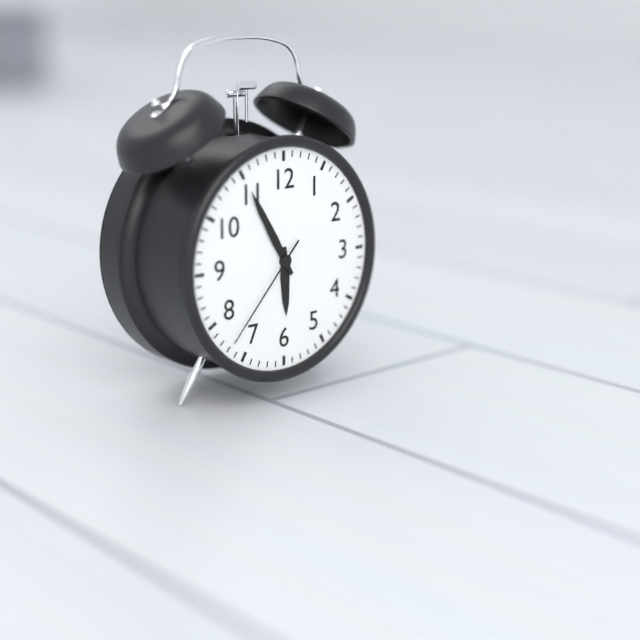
5h55m37s
